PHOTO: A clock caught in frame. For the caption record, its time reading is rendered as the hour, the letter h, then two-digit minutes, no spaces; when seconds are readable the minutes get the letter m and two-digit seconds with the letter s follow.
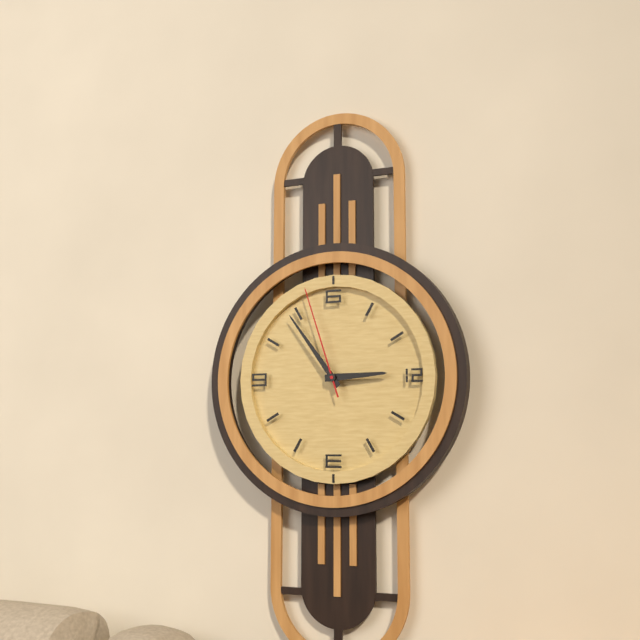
2h54m57s
